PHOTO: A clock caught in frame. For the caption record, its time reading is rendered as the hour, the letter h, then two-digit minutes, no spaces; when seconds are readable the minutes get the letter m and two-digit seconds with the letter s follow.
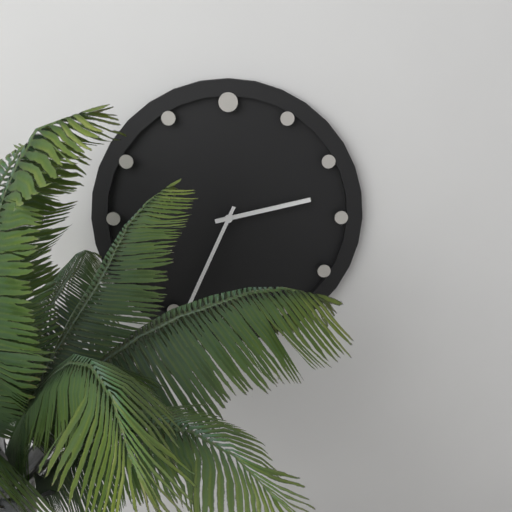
2h34
